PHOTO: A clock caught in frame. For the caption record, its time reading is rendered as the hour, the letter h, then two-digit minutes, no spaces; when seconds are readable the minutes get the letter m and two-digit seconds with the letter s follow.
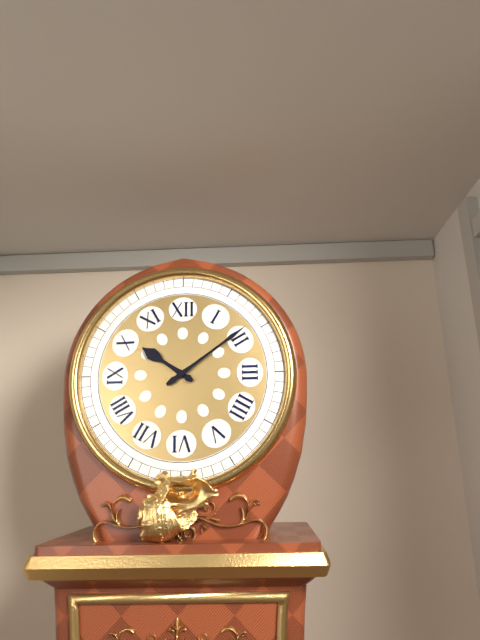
10h09
